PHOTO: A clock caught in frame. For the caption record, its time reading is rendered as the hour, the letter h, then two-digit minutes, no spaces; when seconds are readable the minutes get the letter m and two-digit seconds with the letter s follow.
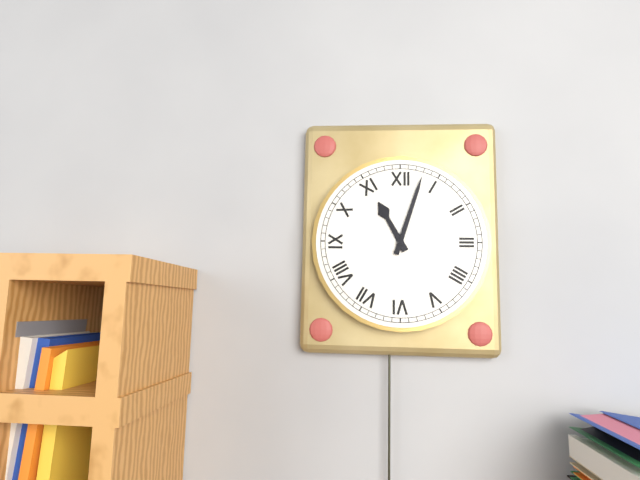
11h03
